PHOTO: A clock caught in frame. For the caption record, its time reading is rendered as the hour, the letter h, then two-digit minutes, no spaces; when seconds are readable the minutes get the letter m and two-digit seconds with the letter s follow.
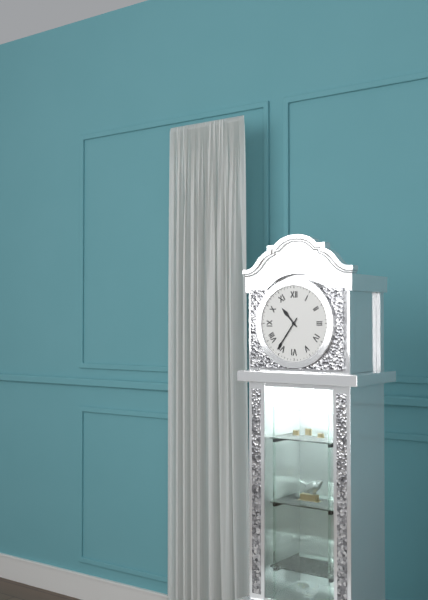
10h36
